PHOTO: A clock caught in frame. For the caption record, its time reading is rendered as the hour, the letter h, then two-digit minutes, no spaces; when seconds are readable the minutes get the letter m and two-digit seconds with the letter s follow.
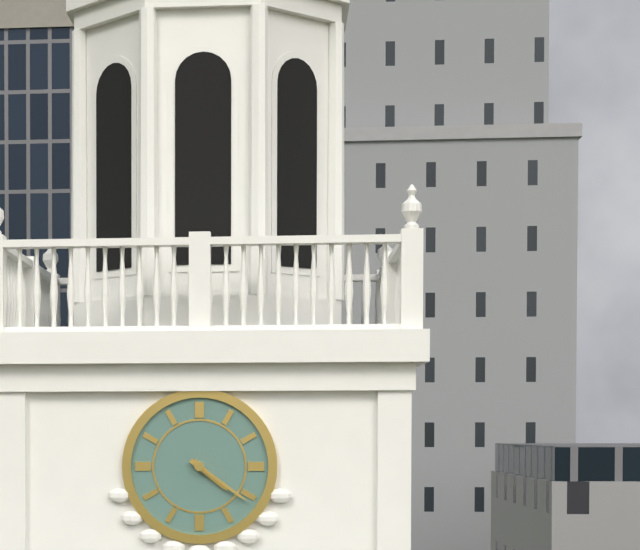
4h21
